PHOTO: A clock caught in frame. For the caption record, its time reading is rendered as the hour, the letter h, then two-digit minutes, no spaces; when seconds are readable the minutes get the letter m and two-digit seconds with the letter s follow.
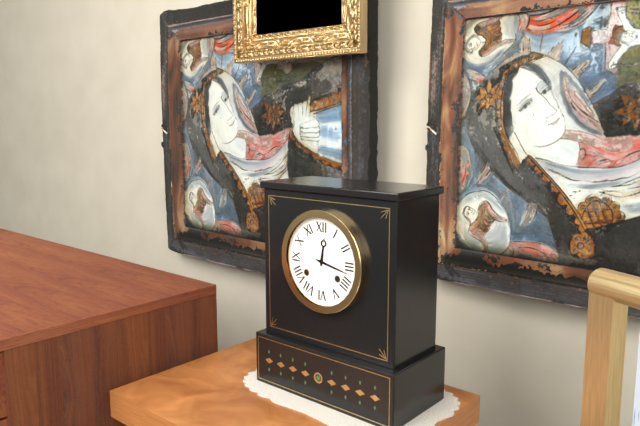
12h17
